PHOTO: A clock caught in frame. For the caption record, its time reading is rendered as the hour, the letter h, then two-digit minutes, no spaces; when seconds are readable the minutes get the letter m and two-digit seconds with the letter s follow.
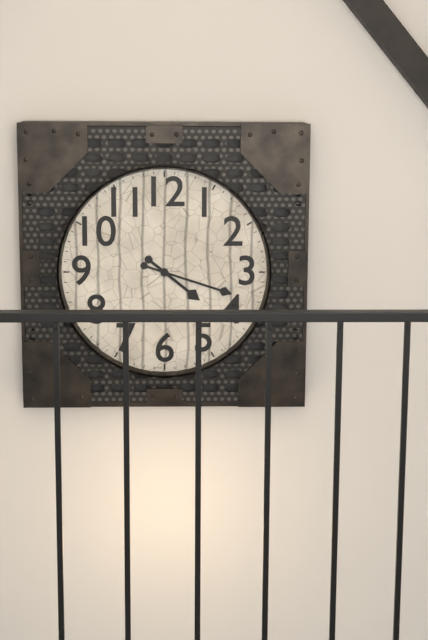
4h18
